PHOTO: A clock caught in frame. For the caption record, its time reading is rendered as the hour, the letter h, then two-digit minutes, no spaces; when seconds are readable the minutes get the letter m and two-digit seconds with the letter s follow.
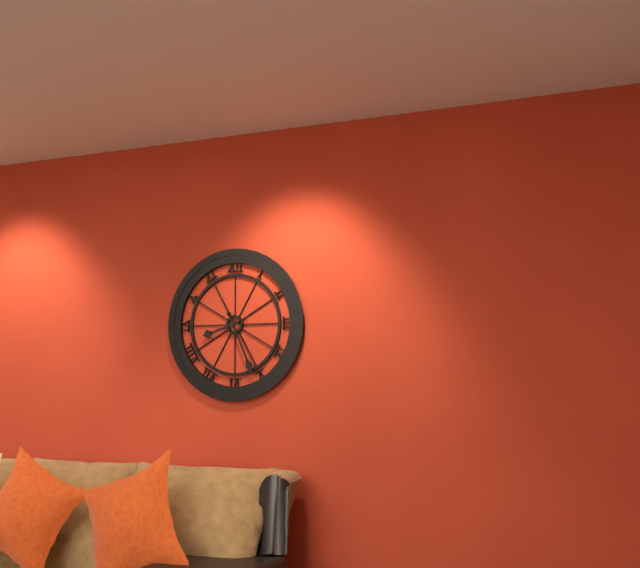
8h26
